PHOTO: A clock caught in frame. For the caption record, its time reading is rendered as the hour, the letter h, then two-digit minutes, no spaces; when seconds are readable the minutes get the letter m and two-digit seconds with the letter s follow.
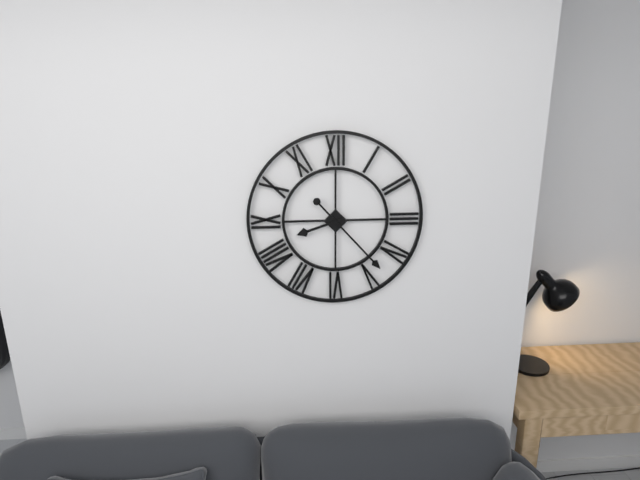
8h23
